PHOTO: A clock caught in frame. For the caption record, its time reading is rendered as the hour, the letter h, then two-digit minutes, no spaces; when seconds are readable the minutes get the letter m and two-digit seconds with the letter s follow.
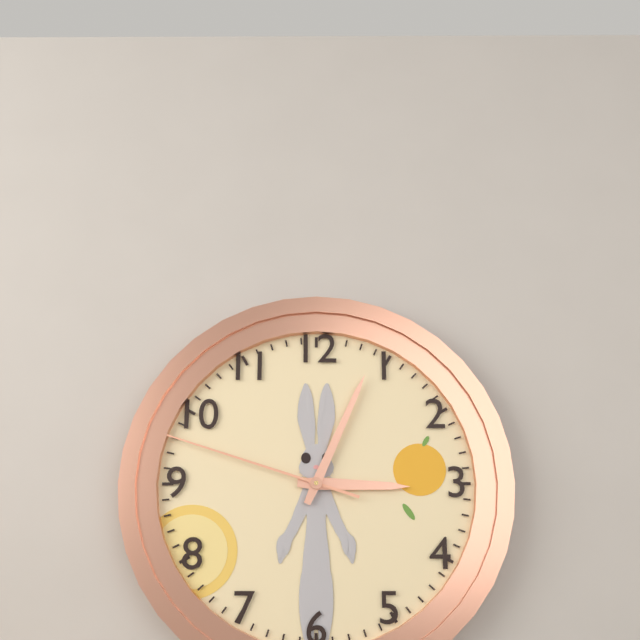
3h04m48s
